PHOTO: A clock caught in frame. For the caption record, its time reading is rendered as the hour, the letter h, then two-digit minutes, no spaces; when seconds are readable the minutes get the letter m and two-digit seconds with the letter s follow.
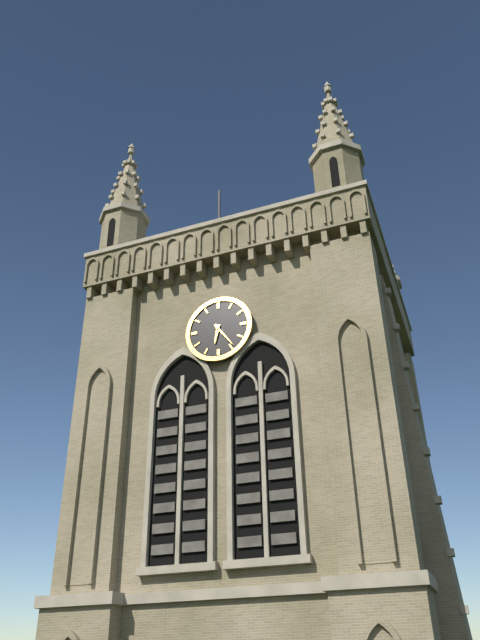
6h24
